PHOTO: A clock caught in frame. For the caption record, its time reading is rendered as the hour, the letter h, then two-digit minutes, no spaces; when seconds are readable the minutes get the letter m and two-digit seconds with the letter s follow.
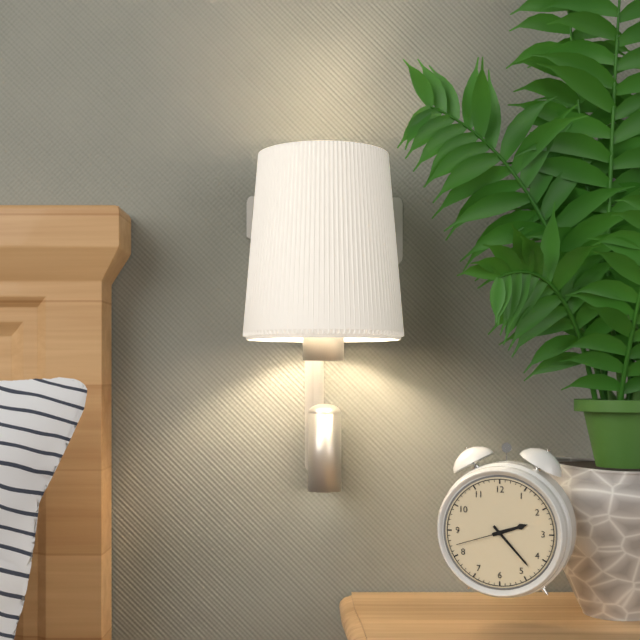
2h23m42s
